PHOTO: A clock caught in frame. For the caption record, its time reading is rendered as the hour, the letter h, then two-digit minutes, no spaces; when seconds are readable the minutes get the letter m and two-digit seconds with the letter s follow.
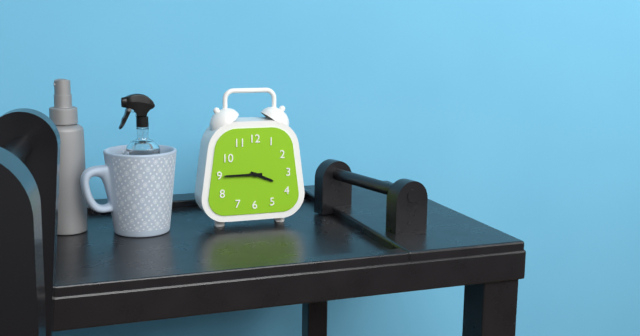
3h45
